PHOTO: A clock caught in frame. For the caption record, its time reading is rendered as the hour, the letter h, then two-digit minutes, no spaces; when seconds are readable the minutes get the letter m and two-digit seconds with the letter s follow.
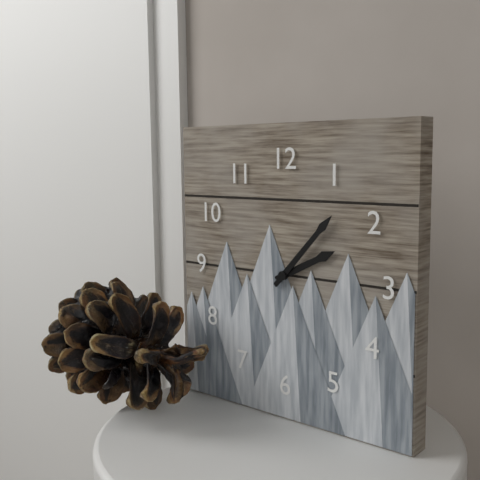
2h07
